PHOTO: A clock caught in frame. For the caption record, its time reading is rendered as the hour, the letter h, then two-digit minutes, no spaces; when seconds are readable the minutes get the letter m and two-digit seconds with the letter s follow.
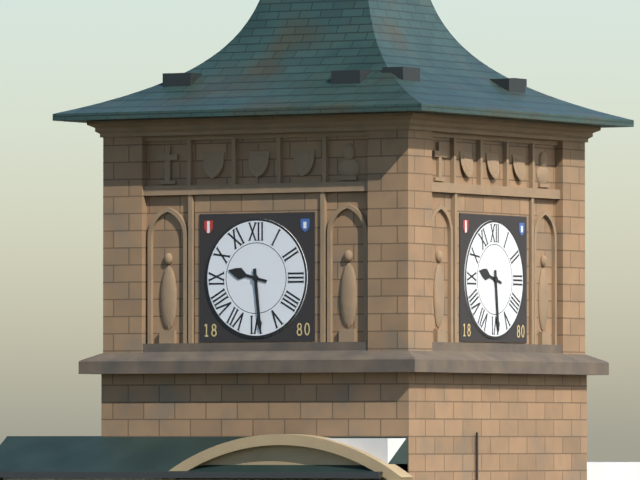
9h29
